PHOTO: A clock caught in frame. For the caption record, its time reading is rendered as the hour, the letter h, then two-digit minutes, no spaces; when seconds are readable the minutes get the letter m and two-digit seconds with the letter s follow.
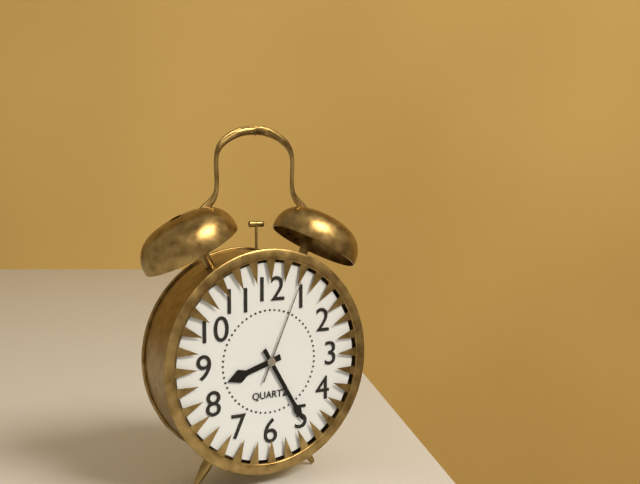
8h25m04s
